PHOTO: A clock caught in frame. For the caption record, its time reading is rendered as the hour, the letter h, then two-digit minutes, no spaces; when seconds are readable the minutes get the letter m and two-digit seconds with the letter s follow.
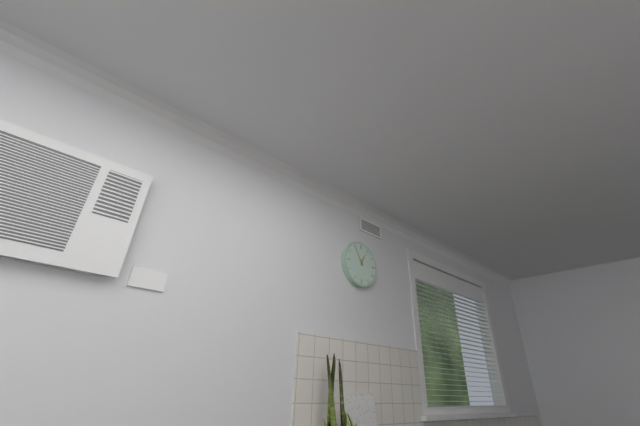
12h55
